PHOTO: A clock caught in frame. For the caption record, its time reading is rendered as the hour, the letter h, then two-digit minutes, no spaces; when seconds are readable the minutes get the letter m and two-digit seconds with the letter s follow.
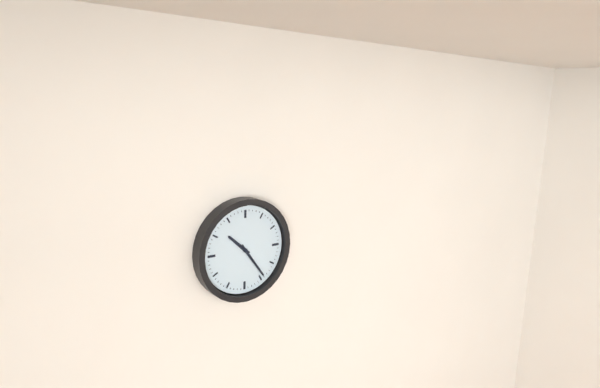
10h24
